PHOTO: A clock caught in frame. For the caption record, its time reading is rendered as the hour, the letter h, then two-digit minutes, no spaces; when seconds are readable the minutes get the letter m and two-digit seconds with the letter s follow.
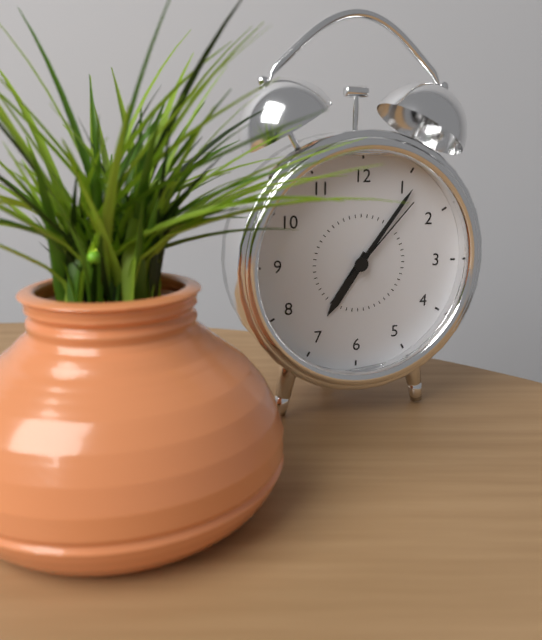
7h06m07s
